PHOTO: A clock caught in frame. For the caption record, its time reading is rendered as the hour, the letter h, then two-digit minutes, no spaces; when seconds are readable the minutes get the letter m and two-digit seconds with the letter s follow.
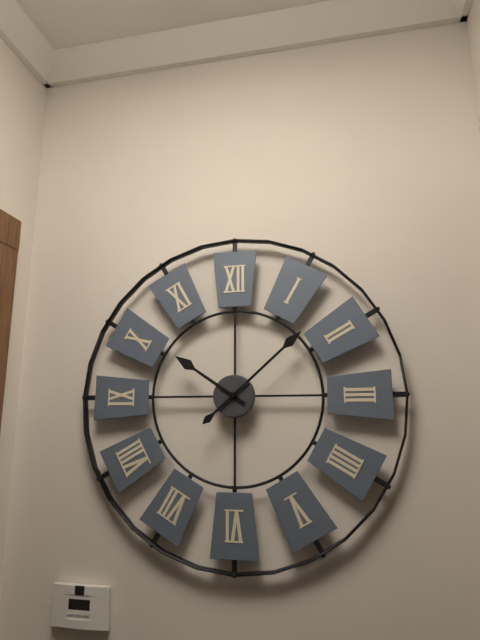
10h08
